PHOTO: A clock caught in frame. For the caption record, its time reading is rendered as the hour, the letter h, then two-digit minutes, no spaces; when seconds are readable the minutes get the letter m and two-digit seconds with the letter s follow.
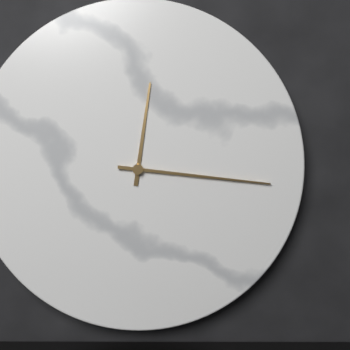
12h16
